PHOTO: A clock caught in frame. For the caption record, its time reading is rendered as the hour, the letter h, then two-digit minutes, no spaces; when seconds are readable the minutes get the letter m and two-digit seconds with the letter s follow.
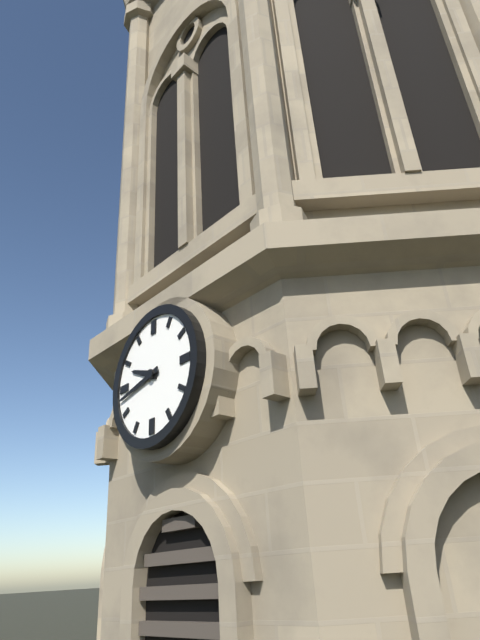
9h43
